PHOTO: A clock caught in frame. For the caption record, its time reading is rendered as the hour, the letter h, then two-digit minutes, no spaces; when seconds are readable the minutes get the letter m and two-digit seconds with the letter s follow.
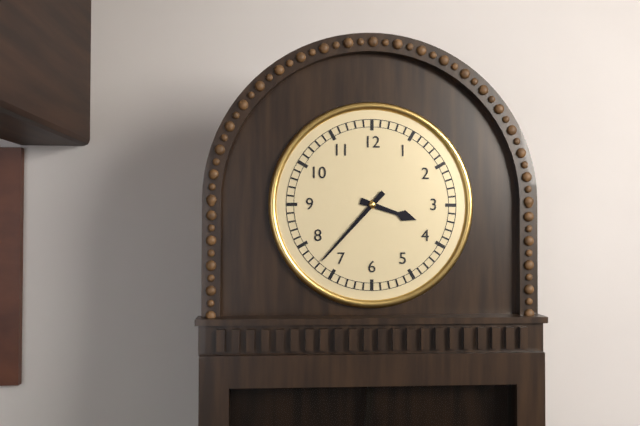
3h37
